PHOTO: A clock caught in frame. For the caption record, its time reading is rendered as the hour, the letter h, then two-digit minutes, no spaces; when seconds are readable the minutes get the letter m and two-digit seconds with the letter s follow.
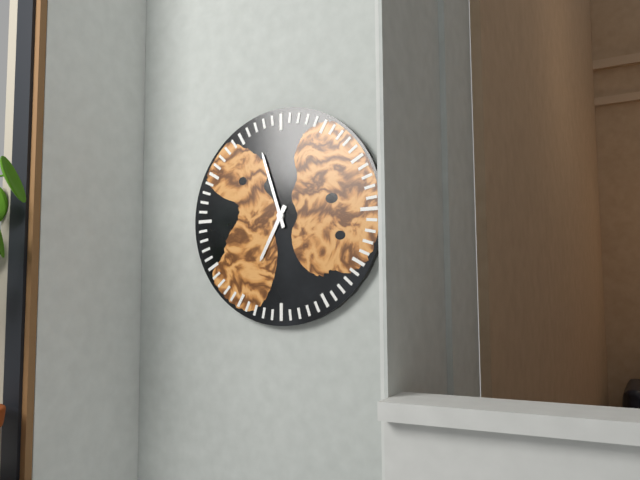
6h57
